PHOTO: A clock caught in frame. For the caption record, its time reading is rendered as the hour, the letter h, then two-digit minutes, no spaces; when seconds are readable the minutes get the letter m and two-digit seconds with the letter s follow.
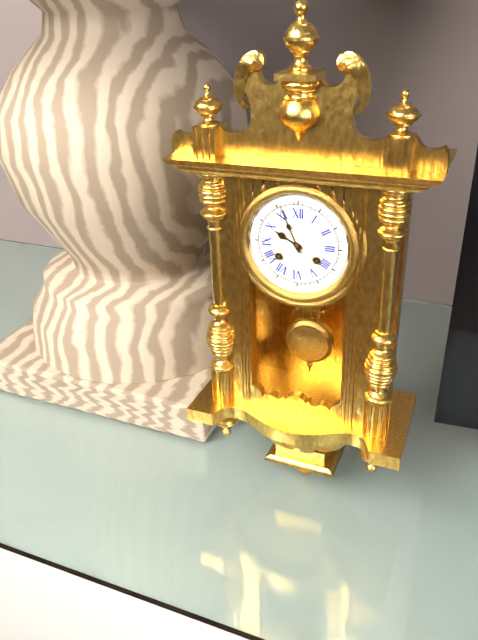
9h56
